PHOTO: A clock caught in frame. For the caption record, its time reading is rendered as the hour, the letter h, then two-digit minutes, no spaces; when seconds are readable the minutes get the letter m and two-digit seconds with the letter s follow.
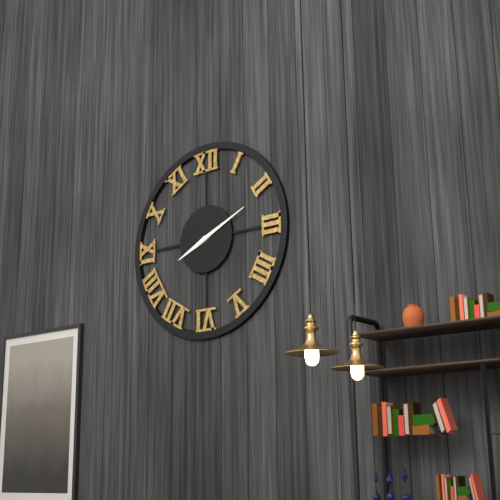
8h11
